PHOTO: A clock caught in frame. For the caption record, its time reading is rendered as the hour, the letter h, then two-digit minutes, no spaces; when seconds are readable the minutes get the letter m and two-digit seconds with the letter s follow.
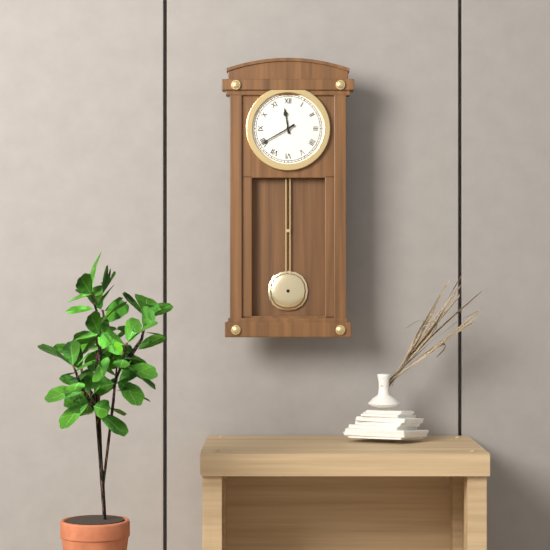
11h40
